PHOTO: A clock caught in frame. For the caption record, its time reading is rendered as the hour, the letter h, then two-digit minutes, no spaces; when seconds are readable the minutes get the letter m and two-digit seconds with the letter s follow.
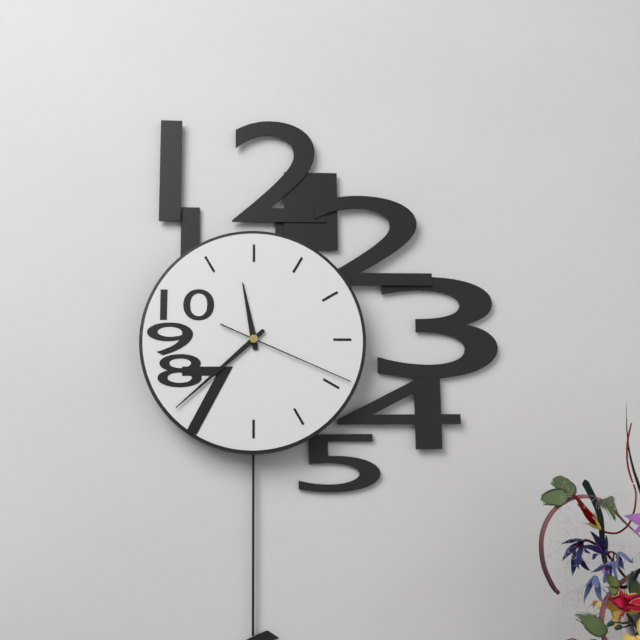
11h38m19s
